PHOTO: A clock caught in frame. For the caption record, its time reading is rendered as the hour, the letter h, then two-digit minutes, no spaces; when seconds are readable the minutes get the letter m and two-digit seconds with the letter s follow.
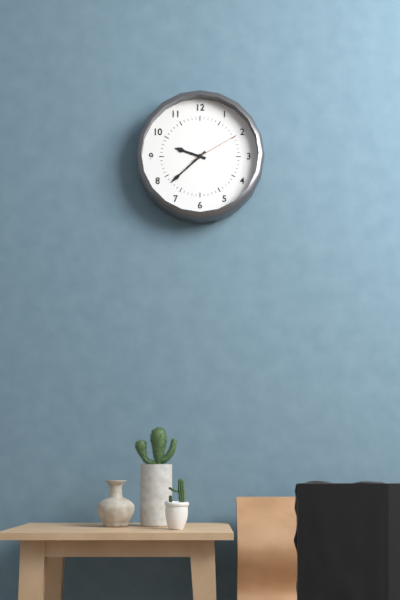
9h38m10s
